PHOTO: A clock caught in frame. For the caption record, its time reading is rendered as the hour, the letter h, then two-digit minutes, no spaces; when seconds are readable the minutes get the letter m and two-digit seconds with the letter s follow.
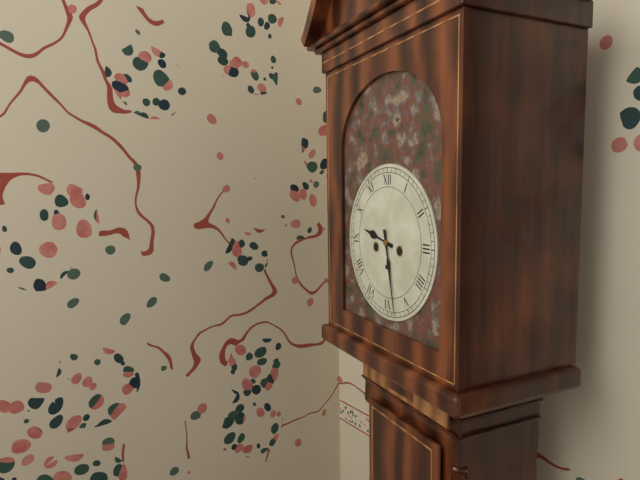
9h28
